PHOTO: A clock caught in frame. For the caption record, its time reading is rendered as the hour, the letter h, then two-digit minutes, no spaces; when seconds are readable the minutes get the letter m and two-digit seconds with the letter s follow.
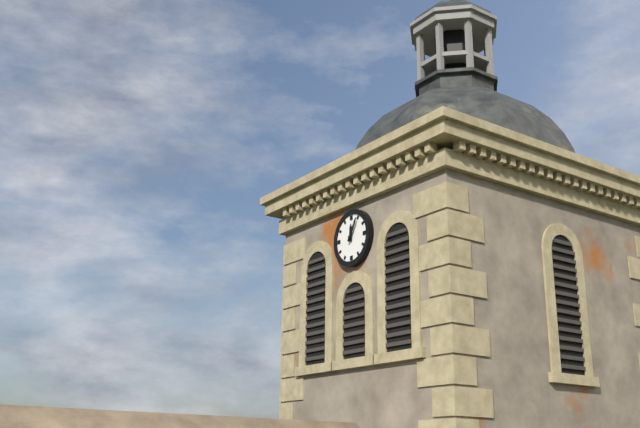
12h05
